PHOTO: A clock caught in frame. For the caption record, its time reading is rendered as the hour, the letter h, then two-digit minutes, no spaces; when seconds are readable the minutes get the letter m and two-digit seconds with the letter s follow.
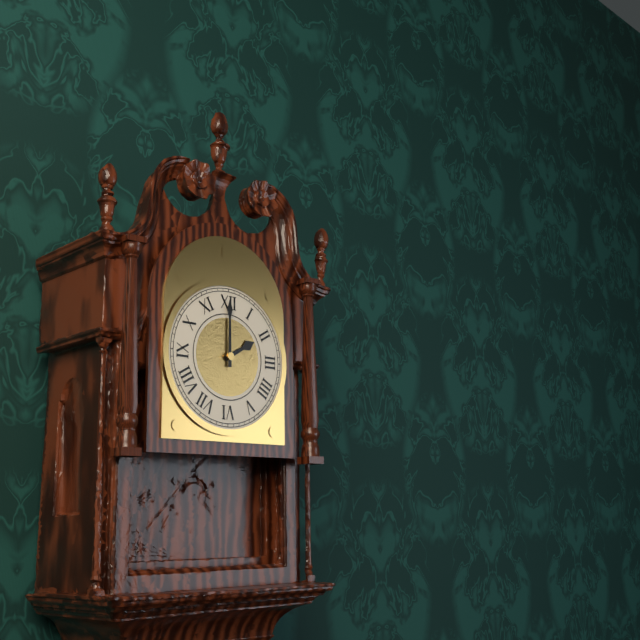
2h00
